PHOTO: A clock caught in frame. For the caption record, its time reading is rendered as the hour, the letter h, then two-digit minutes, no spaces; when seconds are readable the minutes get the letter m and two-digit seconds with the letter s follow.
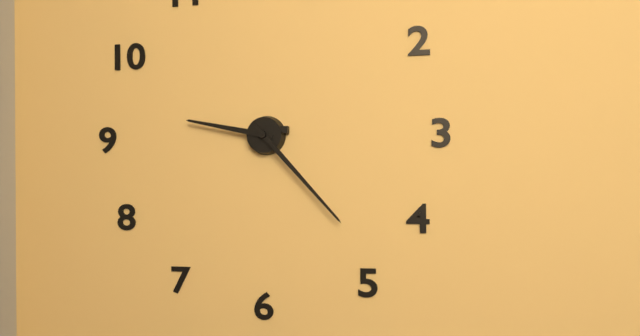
9h23
